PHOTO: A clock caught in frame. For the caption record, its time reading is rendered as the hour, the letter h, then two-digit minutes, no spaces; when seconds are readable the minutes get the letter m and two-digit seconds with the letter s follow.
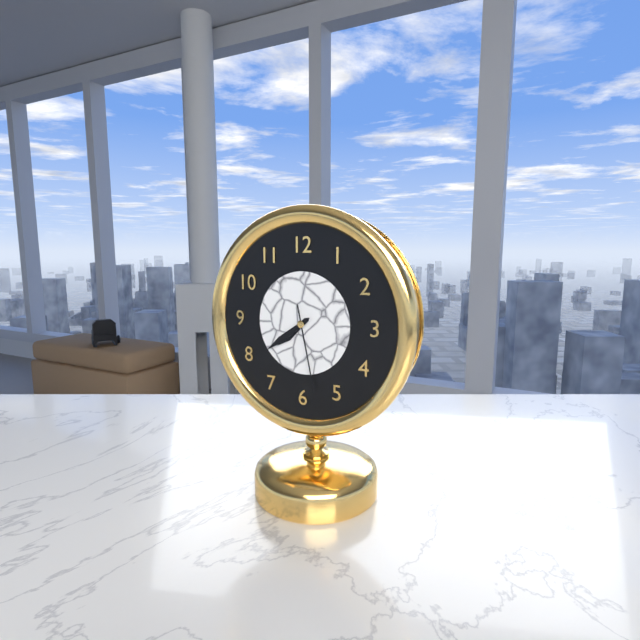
7h39m28s
